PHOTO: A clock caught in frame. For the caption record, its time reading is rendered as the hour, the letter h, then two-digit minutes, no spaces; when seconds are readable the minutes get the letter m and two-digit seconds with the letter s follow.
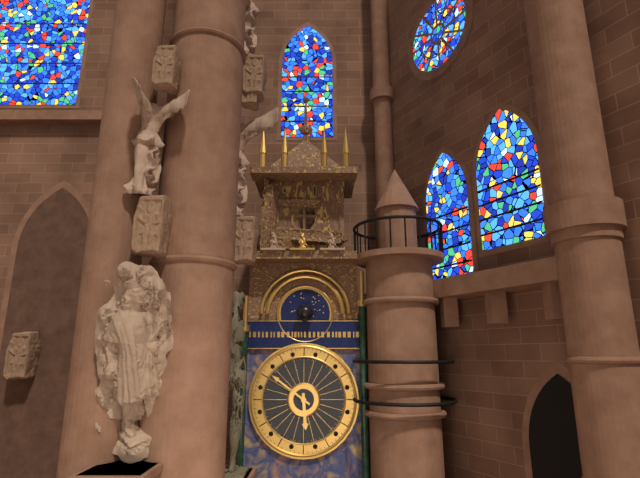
5h51
